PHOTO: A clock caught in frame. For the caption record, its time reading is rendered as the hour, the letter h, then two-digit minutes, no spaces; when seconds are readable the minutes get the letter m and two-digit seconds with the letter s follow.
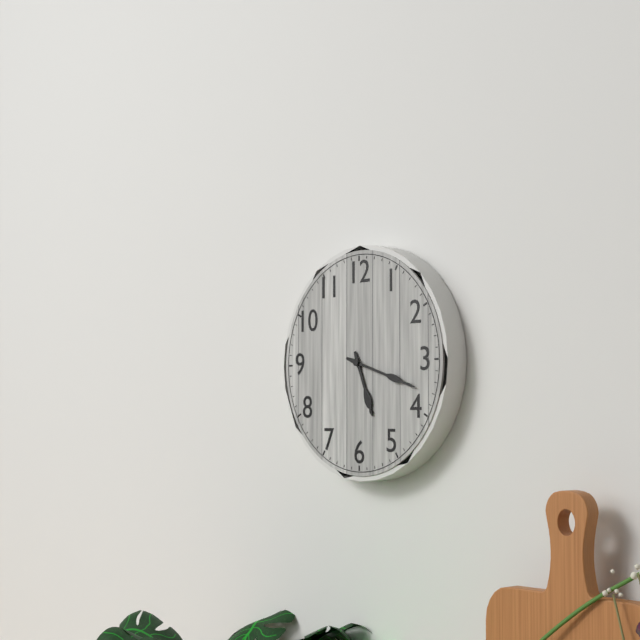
5h18
